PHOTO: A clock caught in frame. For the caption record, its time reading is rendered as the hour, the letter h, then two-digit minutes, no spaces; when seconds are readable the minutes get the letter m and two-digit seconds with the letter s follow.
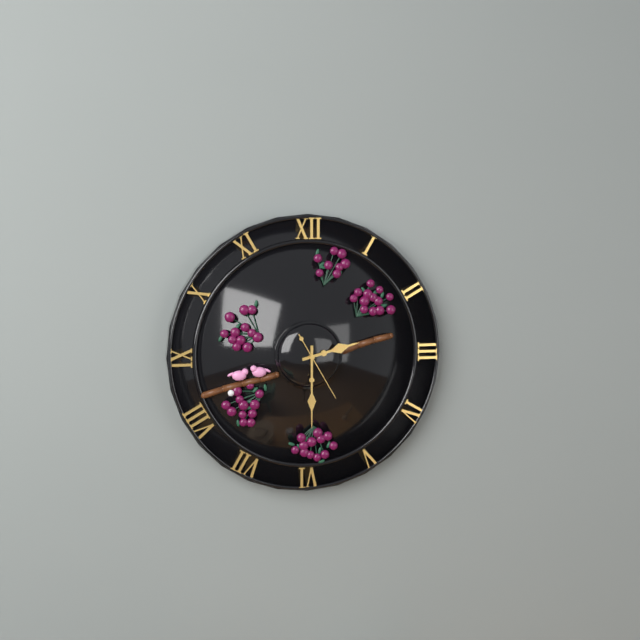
2h30m25s
